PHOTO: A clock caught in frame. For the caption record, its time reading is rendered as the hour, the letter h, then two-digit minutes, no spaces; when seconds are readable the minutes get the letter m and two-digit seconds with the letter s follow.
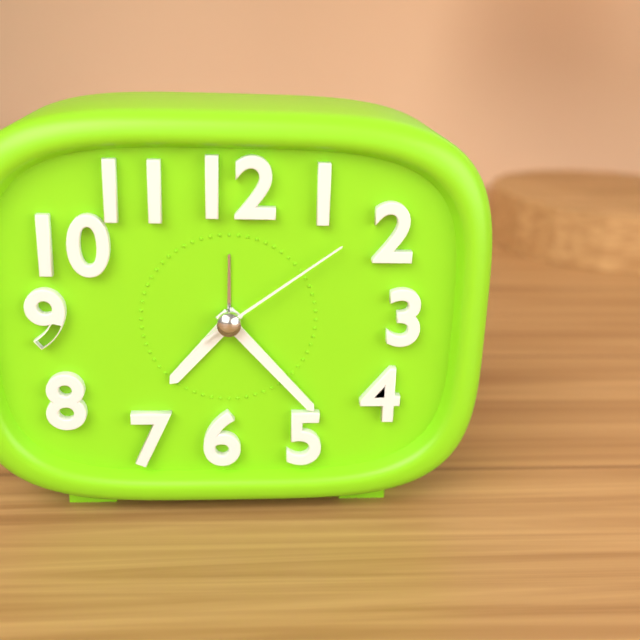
7h23m09s
